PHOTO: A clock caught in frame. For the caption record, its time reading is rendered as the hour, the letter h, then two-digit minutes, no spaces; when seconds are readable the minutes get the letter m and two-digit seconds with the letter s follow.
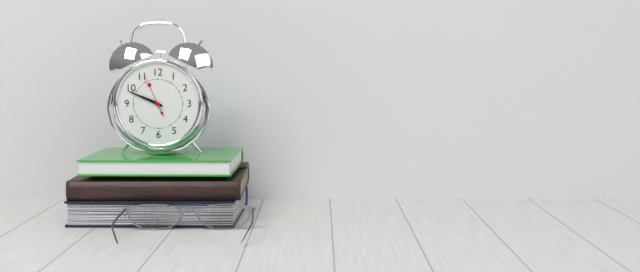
9h49
